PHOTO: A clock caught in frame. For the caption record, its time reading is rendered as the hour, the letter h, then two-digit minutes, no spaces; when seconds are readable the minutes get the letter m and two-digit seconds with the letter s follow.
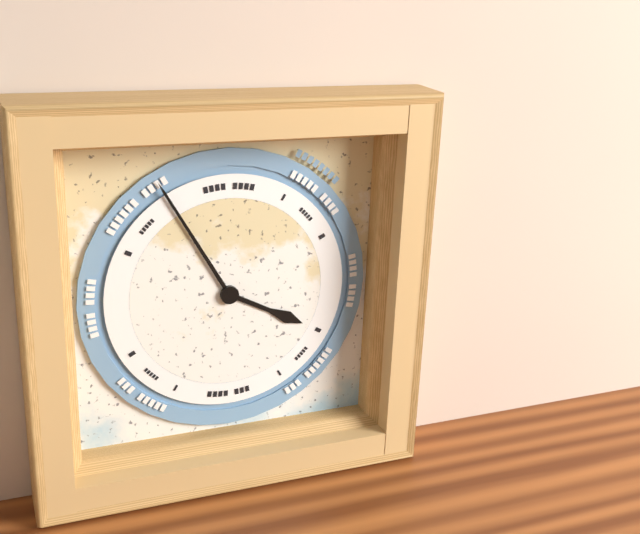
3h55
